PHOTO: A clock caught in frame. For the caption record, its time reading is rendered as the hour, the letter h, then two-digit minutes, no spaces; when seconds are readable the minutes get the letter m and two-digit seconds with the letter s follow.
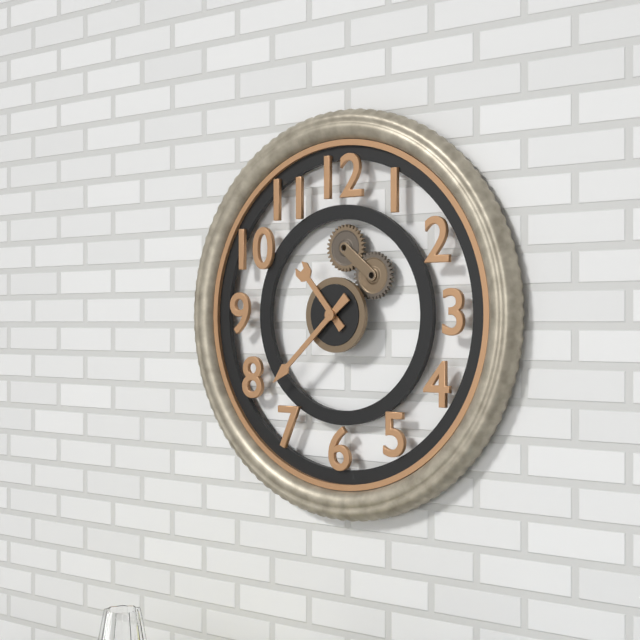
10h38
